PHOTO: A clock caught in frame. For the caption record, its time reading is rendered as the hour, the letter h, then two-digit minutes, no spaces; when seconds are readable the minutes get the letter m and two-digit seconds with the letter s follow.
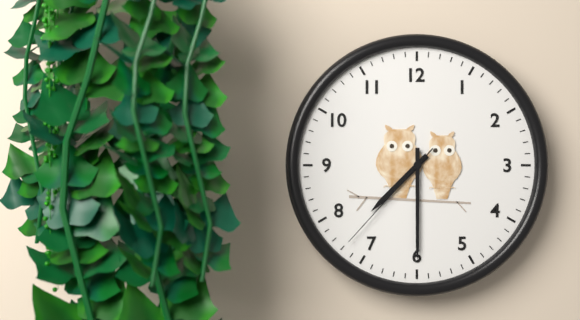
7h30m37s
